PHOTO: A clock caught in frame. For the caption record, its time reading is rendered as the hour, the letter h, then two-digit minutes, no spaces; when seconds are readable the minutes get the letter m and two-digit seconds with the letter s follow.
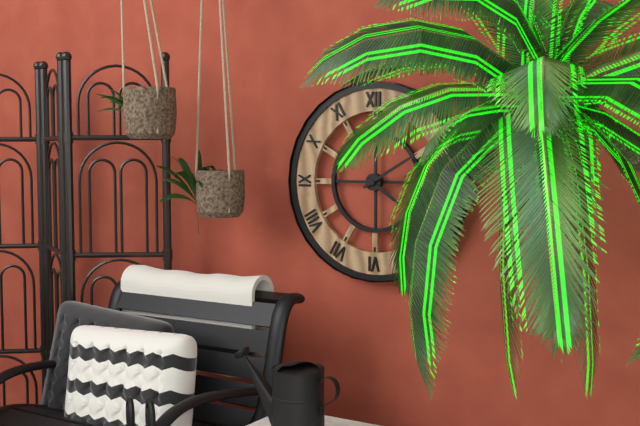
4h10
